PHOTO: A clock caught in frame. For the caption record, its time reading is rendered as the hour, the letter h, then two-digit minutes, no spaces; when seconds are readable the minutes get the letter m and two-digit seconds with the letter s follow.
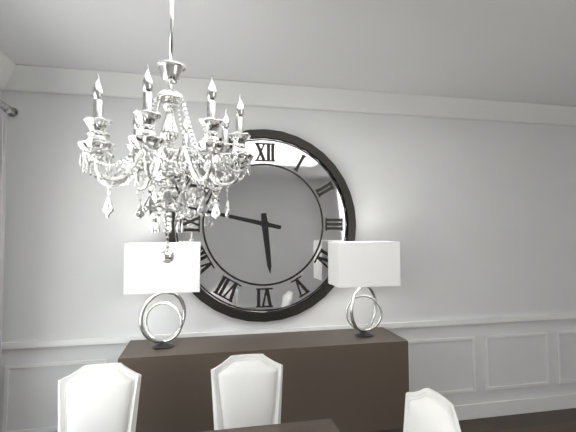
5h47
